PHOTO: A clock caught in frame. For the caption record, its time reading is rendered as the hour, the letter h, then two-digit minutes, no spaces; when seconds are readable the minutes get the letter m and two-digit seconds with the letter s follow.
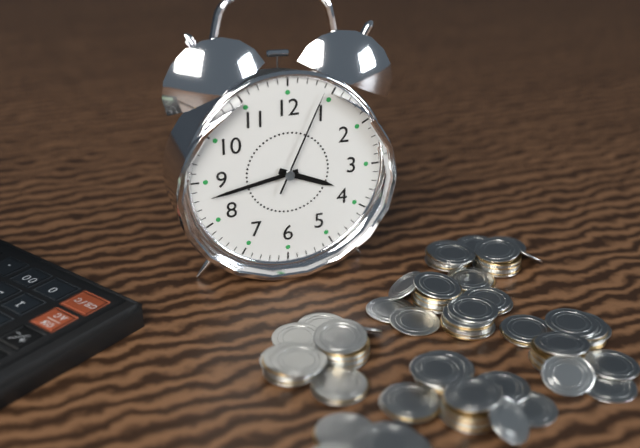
3h43m04s
